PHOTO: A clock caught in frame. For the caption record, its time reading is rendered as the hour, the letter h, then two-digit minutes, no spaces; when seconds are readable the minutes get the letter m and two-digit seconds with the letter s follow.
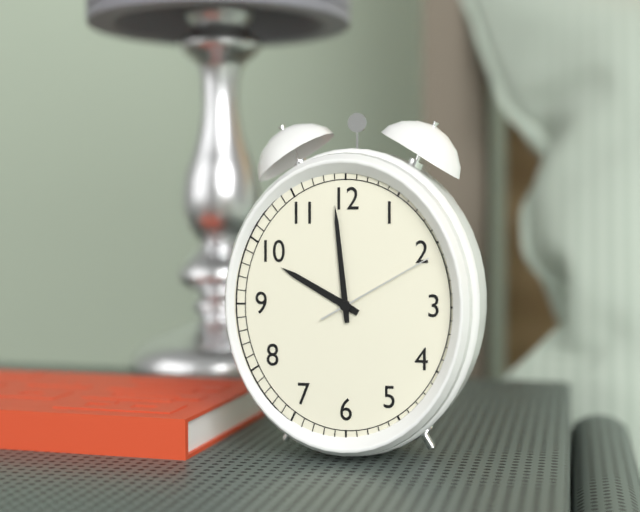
9h59m10s
